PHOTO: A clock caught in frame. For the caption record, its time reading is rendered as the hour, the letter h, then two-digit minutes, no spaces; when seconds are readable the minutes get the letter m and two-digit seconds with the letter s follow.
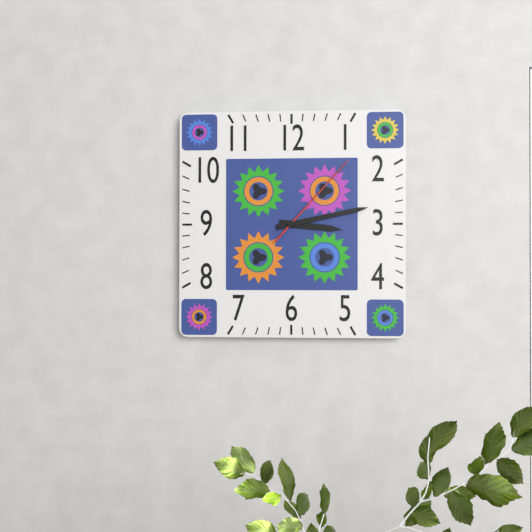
3h13m07s
